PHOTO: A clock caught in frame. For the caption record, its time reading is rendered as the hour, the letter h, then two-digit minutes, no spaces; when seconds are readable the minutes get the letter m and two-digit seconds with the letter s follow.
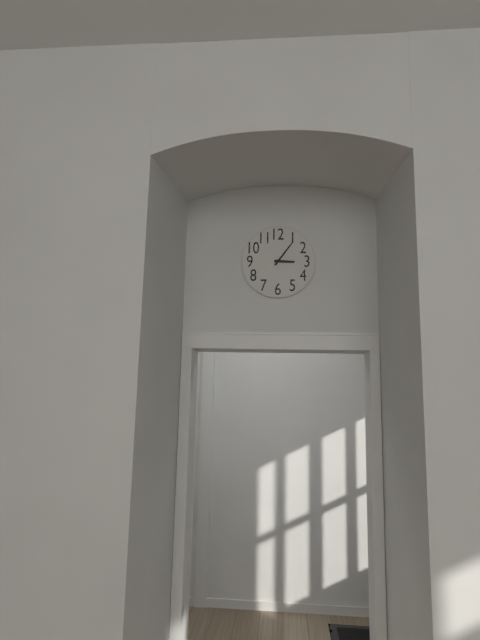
3h06
